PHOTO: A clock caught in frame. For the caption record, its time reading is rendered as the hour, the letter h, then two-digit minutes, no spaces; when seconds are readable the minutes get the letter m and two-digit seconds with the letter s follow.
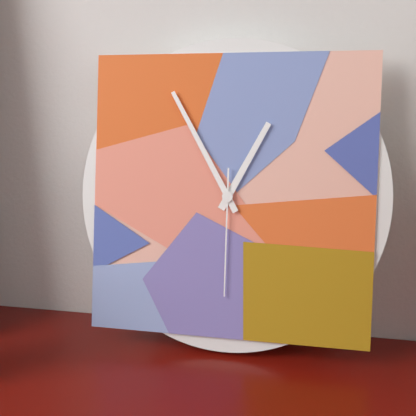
12h55m30s
